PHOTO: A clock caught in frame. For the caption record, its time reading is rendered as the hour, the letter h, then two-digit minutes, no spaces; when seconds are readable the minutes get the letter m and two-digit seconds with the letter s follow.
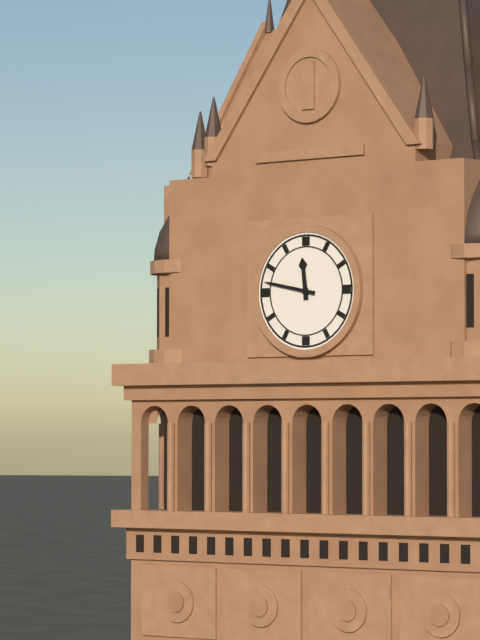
11h47
